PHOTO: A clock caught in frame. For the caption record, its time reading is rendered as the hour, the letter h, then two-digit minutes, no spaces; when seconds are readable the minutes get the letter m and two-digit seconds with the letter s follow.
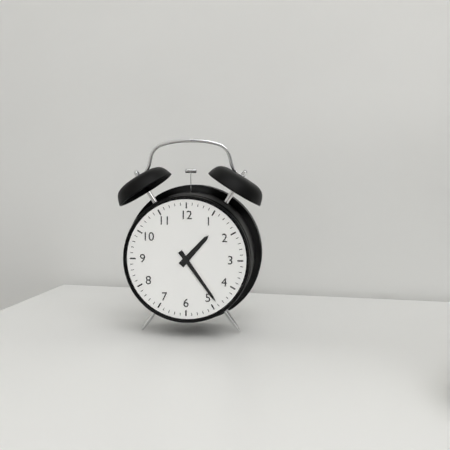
1h24
